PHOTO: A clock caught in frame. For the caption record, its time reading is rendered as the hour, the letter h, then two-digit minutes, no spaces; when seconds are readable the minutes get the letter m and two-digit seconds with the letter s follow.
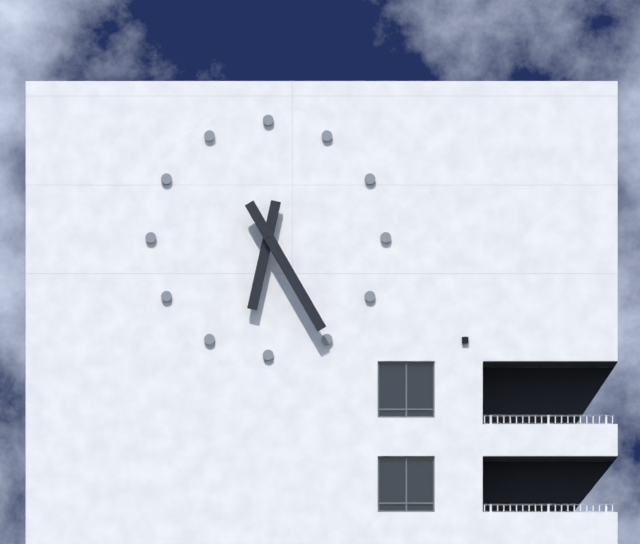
6h25
